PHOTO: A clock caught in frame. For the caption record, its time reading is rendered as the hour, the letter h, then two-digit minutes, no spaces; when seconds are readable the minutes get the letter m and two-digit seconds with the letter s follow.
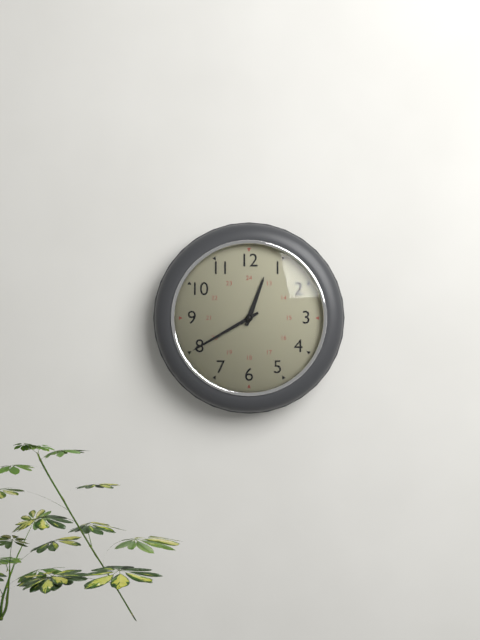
12h40
